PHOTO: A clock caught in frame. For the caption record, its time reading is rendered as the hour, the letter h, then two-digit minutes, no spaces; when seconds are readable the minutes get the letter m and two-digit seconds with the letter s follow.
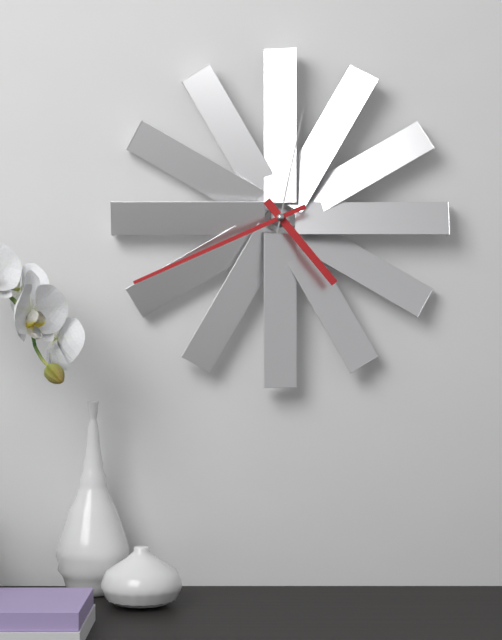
4h41m02s
